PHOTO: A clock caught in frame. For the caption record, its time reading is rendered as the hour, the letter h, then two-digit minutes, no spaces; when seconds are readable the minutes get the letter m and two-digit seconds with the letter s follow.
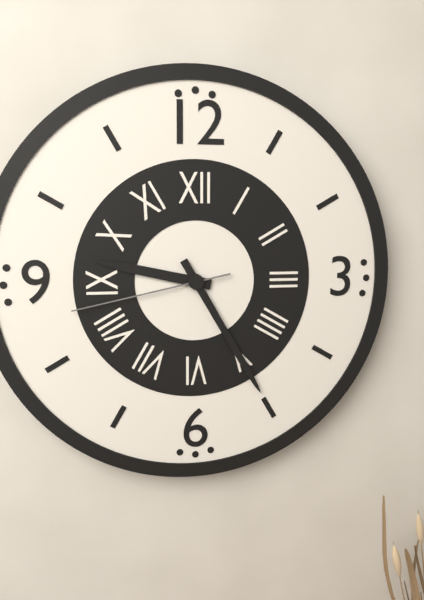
9h25m43s
